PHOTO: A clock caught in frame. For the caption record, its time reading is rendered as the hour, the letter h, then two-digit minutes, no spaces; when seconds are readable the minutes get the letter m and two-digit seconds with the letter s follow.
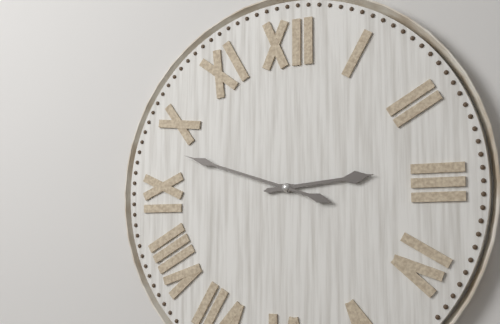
2h48
